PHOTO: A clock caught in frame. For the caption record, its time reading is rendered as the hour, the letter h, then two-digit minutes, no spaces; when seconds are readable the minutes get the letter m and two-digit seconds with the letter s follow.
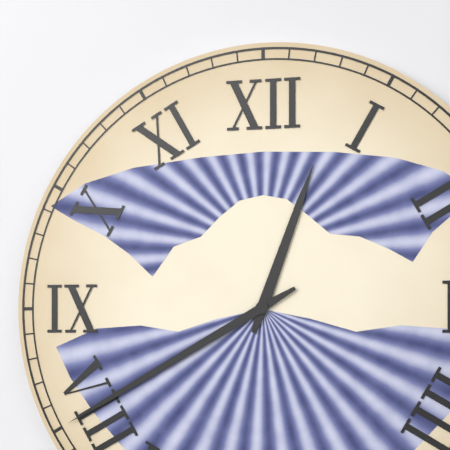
12h40
